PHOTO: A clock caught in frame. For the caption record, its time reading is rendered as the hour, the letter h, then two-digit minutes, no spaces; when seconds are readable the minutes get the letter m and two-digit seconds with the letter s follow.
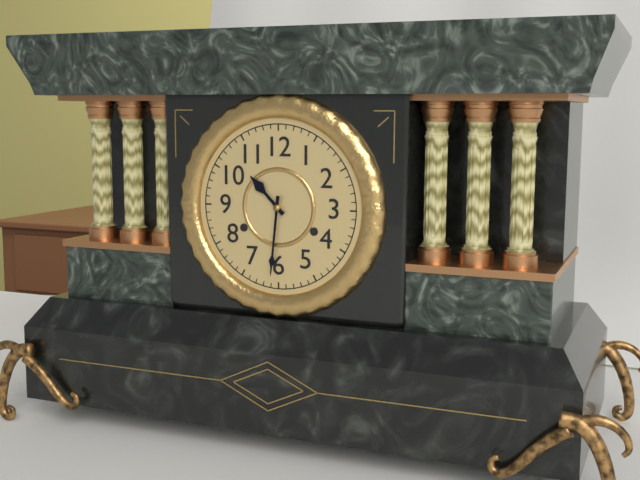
10h31
